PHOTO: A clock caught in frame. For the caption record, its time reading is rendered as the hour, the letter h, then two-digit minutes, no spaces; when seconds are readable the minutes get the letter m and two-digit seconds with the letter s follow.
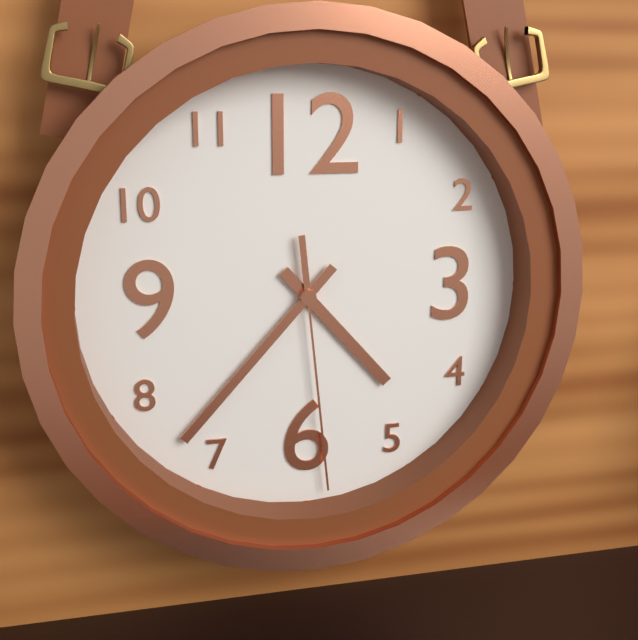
4h37m29s
